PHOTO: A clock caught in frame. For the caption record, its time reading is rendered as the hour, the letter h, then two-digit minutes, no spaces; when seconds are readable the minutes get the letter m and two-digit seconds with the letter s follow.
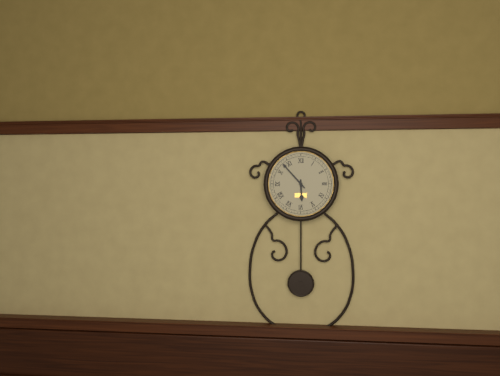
5h53
